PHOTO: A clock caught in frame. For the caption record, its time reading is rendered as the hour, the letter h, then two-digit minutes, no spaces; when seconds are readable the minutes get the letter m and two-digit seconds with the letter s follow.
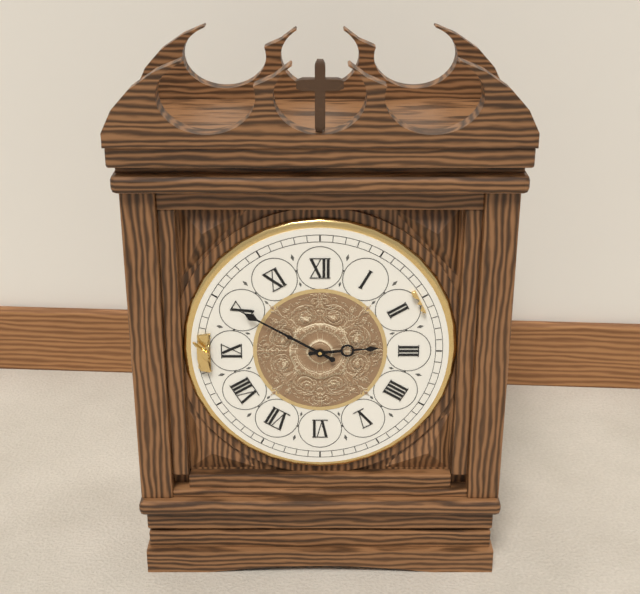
2h50
